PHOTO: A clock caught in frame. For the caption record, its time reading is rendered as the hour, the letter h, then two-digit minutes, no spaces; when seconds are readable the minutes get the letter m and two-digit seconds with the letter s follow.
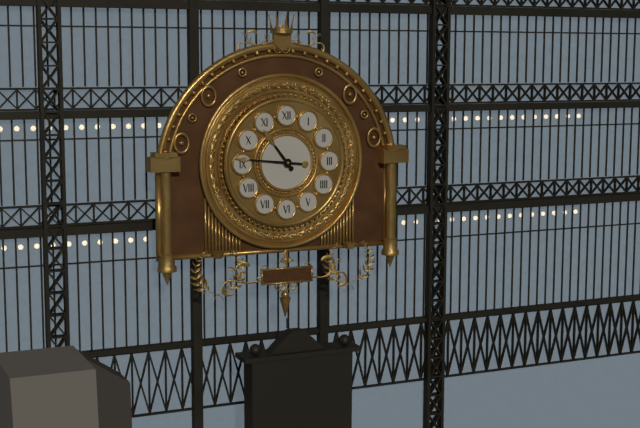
10h46
